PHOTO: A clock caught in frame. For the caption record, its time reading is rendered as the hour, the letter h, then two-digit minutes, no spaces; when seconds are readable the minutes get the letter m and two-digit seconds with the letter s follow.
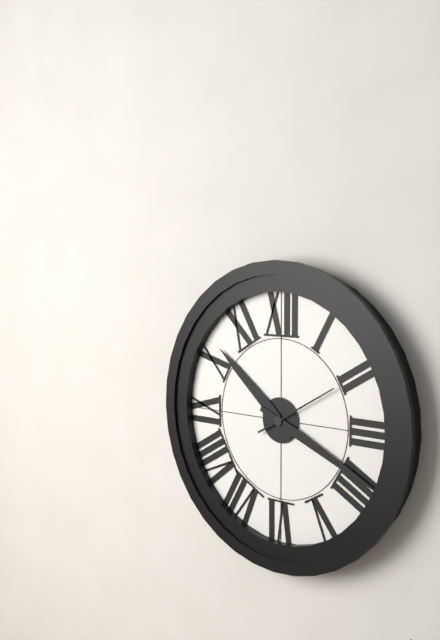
10h19m10s
